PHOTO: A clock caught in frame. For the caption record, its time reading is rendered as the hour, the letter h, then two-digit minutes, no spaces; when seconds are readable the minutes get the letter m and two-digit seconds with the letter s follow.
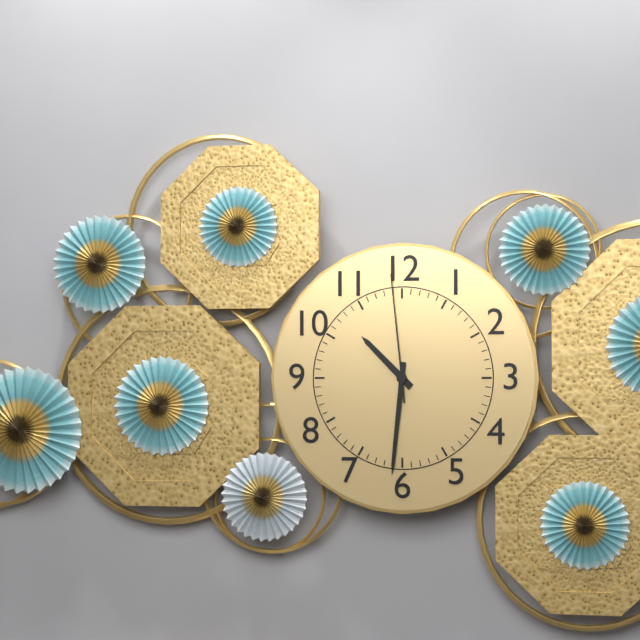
10h31m59s
